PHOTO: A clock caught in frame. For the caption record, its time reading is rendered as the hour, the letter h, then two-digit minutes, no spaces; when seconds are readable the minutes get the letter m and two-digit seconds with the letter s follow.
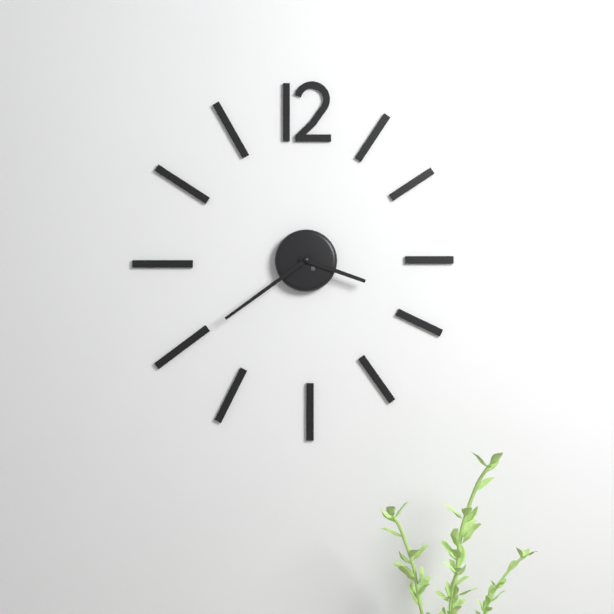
3h39
